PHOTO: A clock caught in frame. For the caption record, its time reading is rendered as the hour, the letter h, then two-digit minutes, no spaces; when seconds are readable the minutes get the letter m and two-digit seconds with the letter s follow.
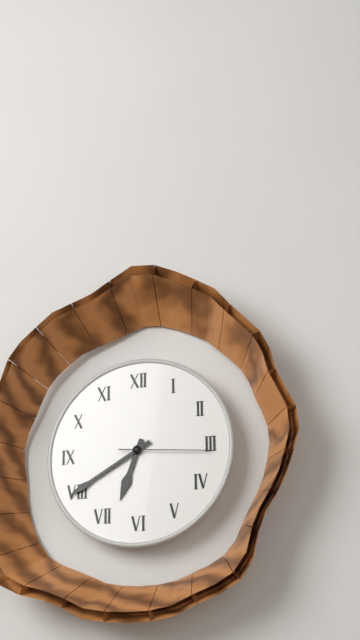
6h40m16s
